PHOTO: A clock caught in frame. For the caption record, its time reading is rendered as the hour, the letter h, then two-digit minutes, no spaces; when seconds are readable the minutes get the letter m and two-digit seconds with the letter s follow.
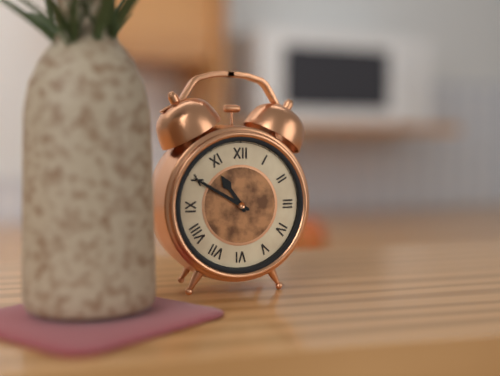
10h50
